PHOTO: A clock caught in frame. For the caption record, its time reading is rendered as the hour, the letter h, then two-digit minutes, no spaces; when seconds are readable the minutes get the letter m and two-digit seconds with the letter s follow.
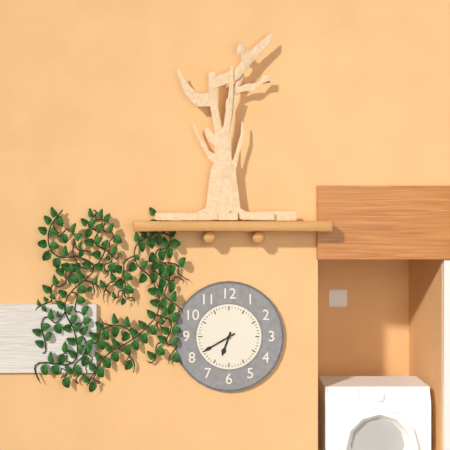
6h40
